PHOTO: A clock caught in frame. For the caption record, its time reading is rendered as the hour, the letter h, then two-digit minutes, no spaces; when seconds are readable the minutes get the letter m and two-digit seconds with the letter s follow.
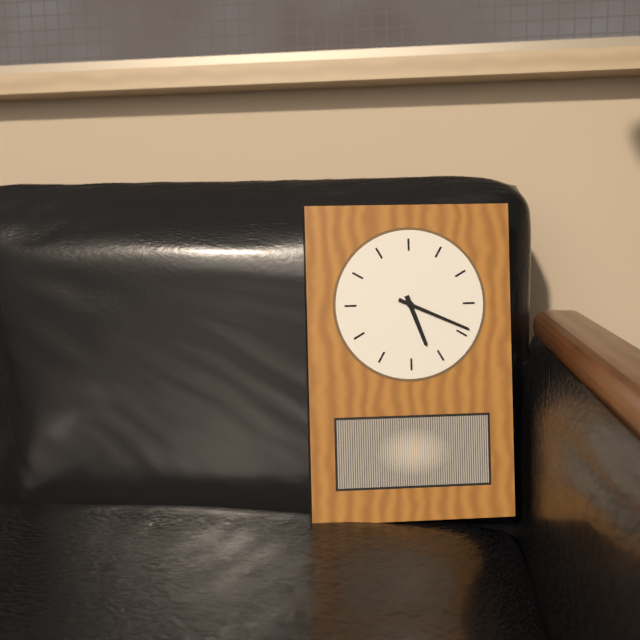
5h19
